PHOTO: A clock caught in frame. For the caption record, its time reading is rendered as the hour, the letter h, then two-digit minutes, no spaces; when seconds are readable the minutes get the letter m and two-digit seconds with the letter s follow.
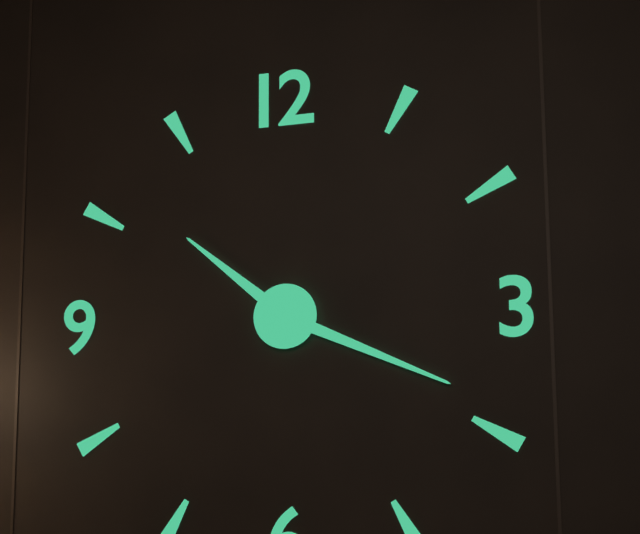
10h19
